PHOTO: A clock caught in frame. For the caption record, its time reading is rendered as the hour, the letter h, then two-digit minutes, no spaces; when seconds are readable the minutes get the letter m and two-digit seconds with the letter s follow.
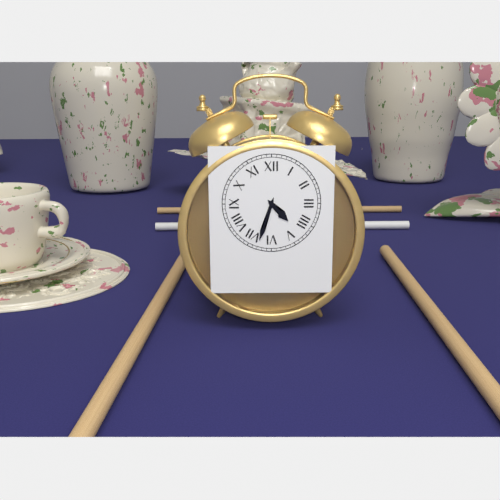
4h33
